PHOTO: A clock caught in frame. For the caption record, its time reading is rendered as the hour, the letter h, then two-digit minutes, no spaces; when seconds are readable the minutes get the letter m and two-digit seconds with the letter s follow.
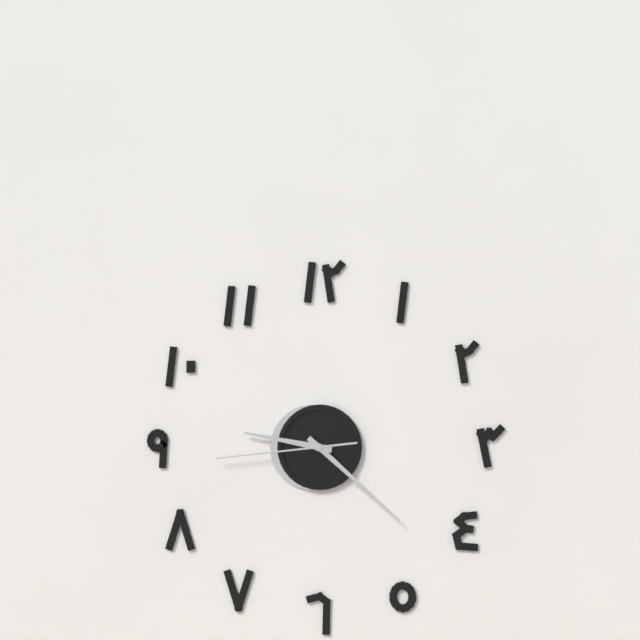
9h22m44s
